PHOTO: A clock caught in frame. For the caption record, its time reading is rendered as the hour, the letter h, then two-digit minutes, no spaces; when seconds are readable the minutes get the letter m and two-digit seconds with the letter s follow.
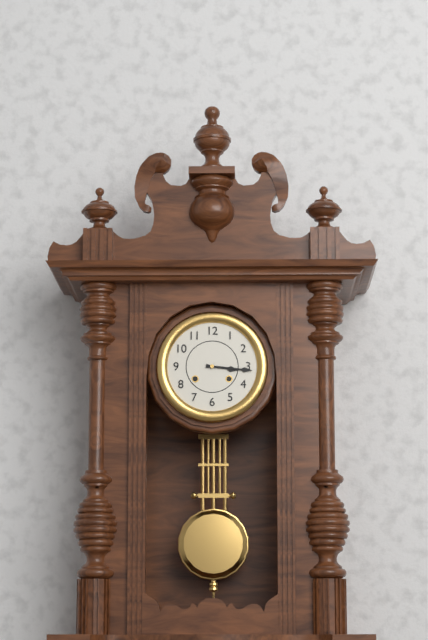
3h16
